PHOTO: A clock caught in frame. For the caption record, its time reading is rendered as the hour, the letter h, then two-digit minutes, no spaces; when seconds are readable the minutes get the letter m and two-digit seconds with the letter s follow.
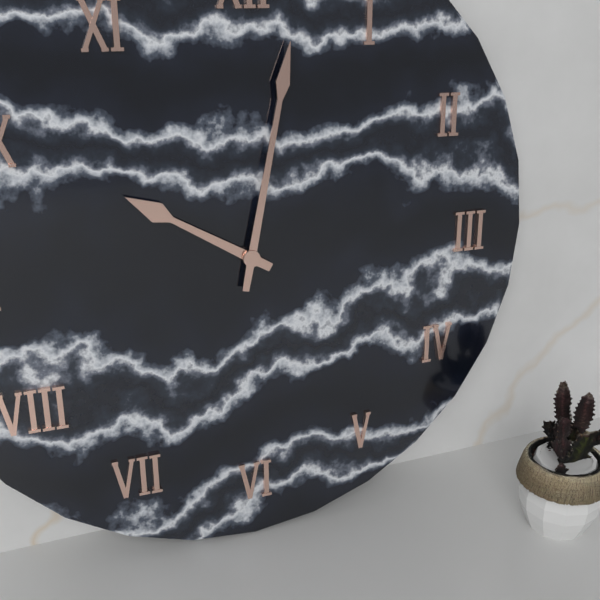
10h02
